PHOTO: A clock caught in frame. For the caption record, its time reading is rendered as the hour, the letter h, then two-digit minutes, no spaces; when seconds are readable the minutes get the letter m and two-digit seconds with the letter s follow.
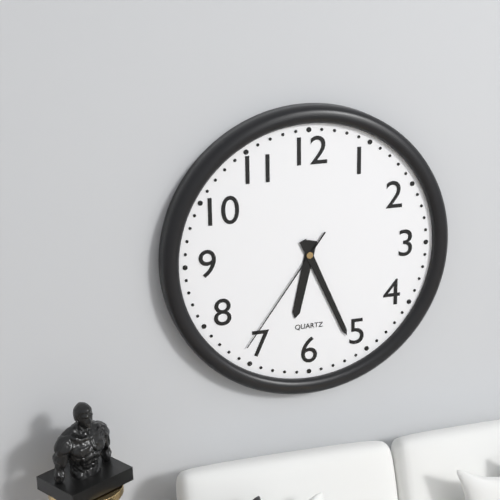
6h26m36s
